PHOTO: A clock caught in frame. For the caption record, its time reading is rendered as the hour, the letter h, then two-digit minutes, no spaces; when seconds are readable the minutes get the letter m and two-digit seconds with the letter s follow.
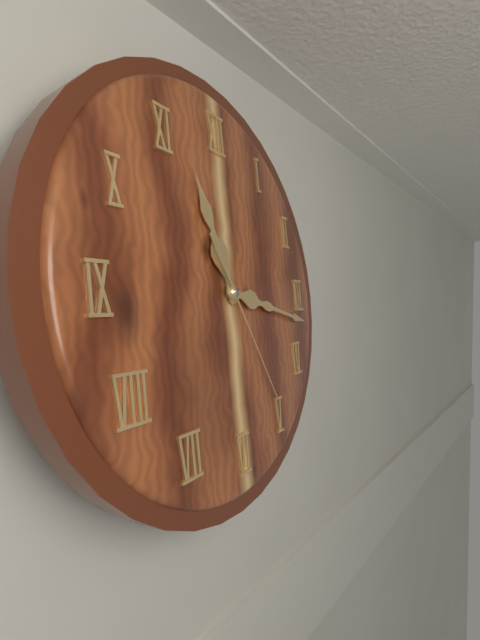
11h17m25s
